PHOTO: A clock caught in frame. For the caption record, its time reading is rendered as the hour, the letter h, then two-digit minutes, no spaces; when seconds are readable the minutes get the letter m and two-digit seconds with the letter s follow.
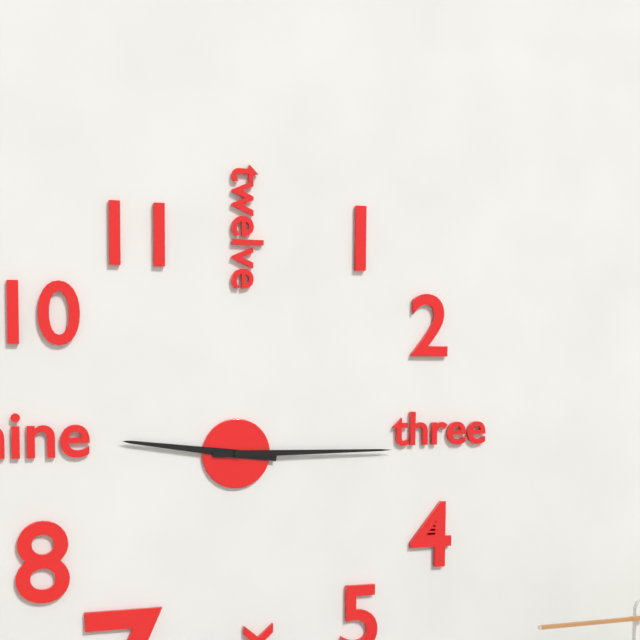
9h15
